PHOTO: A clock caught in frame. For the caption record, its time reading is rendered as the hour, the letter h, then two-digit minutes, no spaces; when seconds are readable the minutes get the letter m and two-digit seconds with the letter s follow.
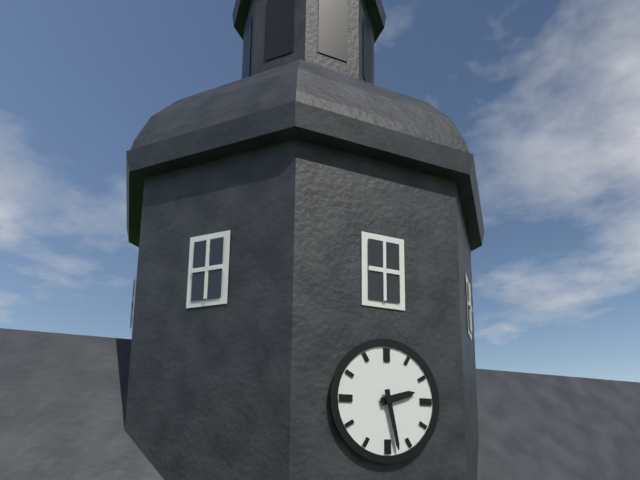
2h28
